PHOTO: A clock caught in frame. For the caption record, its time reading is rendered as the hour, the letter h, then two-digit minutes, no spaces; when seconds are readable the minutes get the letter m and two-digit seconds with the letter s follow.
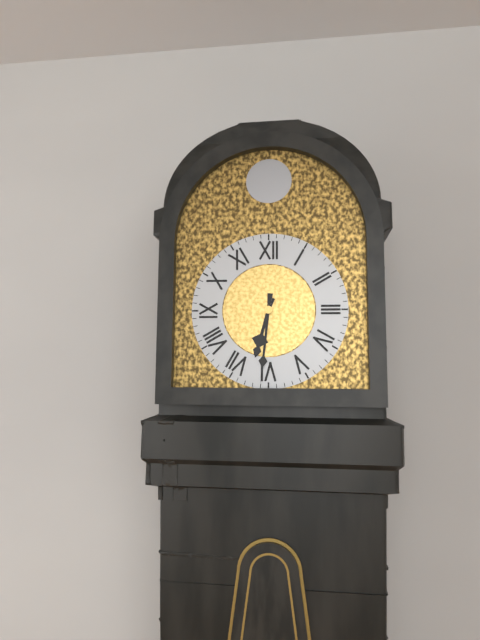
6h31
